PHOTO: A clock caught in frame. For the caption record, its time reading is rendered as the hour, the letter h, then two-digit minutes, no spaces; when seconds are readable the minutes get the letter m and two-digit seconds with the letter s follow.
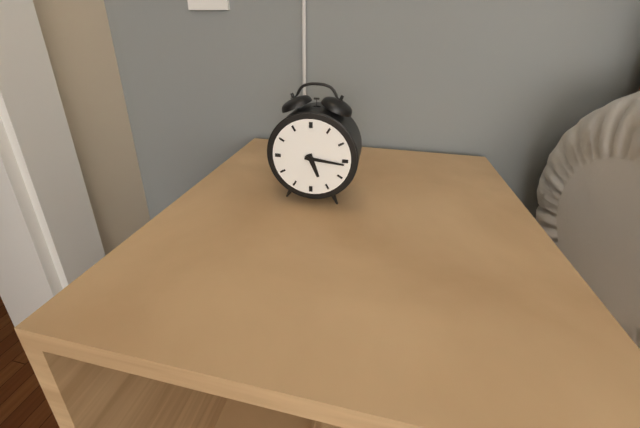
5h16
